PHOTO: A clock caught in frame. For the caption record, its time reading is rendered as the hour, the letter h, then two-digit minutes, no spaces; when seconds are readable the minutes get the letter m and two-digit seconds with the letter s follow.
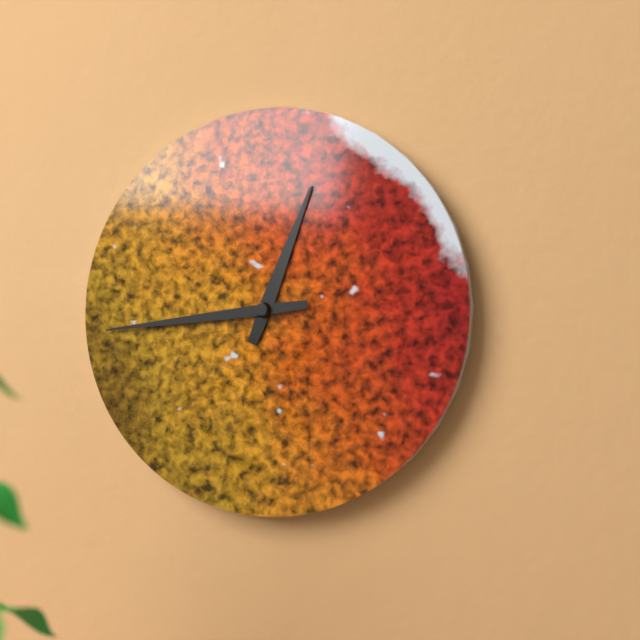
12h44
